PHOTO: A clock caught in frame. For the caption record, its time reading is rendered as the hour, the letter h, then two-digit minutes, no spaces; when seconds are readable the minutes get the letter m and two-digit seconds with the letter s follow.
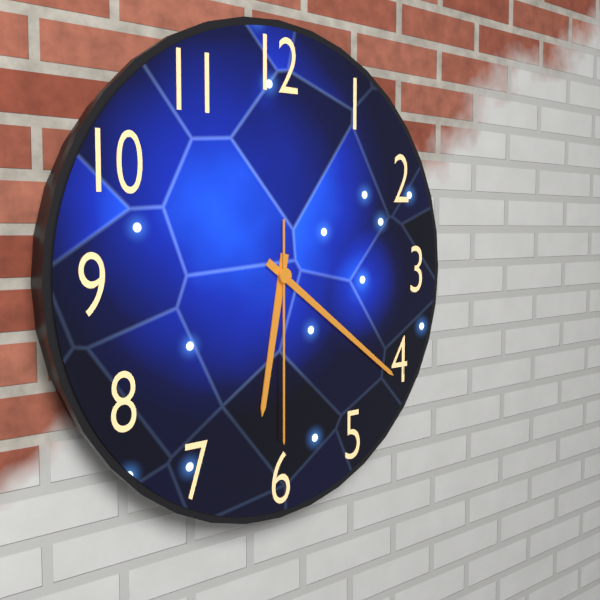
6h21m30s
